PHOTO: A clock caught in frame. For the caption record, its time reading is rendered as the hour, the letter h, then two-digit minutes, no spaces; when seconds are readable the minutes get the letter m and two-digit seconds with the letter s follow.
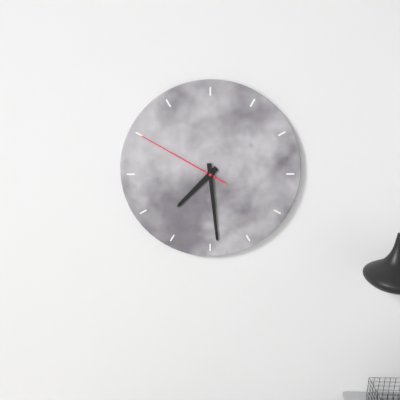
7h29m50s
